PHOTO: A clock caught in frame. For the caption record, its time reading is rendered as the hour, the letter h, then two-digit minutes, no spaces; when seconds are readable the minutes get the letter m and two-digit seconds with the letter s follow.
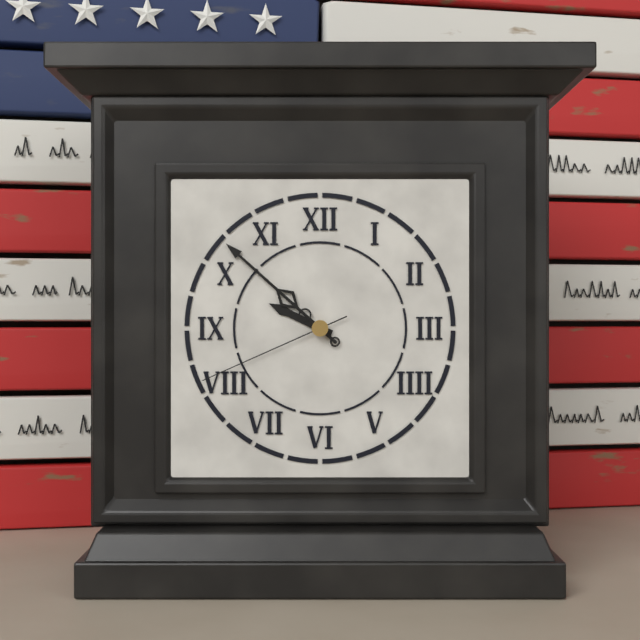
9h52m41s
